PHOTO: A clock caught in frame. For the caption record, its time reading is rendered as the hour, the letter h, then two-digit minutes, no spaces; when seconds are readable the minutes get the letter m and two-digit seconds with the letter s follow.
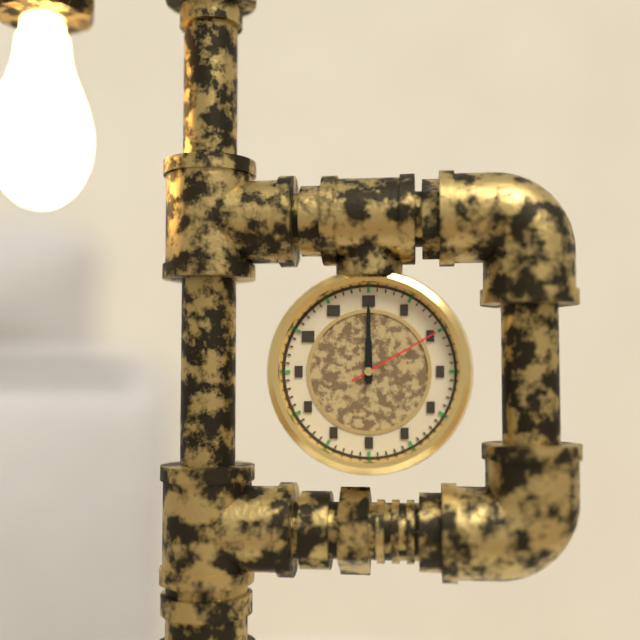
12h00m10s
